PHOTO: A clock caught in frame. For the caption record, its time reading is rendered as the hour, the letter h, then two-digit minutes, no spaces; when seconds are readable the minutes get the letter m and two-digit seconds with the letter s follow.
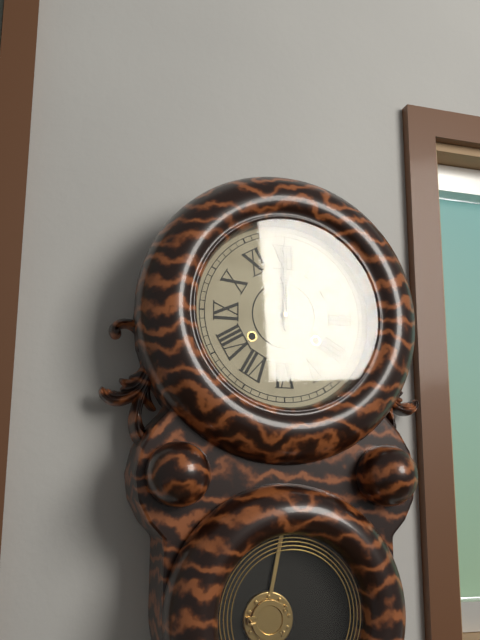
12h00
